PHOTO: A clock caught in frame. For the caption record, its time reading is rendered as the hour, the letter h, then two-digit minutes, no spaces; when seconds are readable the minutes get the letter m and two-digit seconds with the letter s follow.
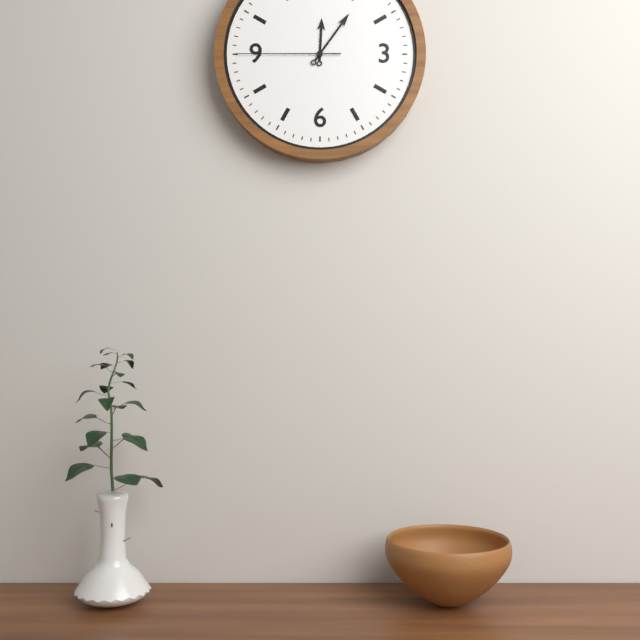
12h06m45s
